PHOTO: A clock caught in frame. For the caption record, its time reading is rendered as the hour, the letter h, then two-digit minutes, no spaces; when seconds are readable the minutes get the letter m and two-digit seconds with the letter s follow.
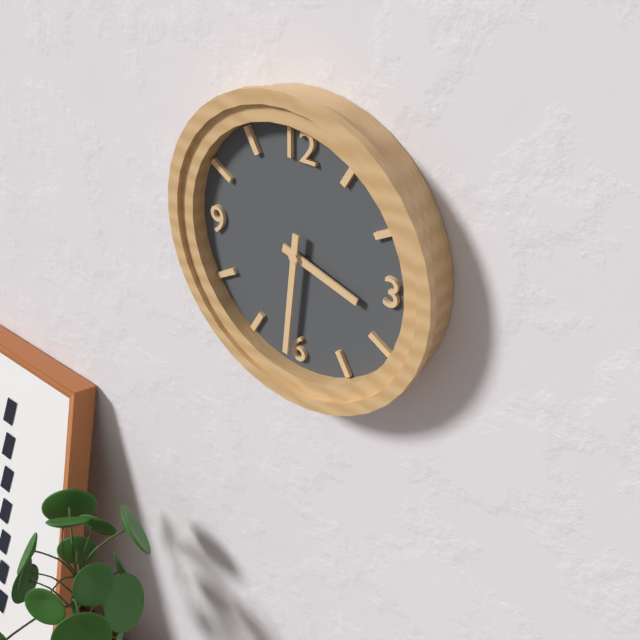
3h31
